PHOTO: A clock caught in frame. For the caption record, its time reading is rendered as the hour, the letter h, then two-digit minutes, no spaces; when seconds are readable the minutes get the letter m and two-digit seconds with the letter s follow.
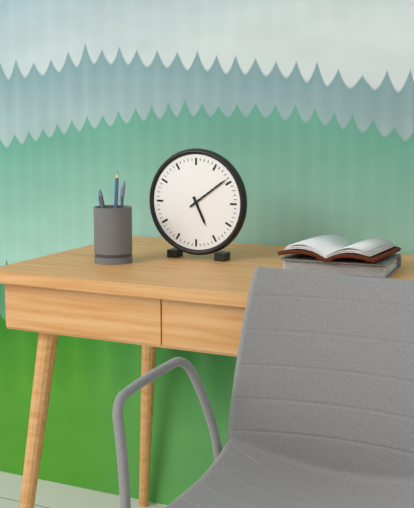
5h09
